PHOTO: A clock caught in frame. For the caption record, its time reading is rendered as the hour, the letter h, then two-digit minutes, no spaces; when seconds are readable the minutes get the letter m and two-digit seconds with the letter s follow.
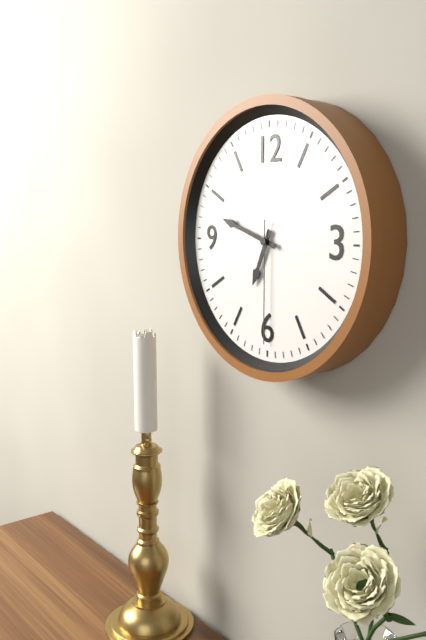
6h48m30s
